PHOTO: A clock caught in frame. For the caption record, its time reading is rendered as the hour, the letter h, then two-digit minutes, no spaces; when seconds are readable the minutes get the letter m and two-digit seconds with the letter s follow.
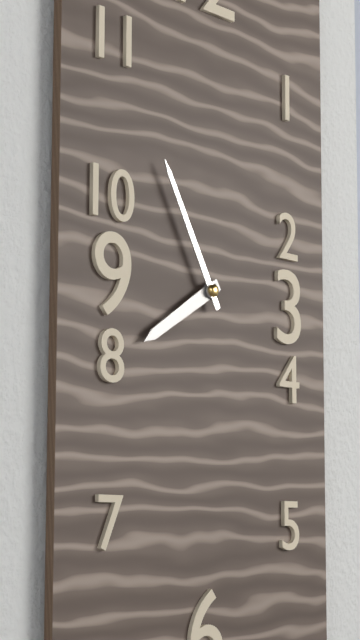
7h55
